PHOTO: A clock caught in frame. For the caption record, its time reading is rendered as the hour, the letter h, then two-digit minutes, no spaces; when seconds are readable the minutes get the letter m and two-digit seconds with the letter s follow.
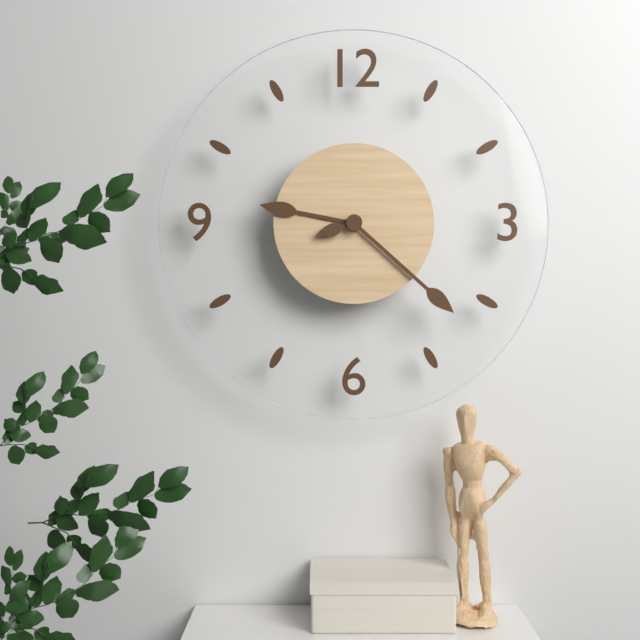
9h22
